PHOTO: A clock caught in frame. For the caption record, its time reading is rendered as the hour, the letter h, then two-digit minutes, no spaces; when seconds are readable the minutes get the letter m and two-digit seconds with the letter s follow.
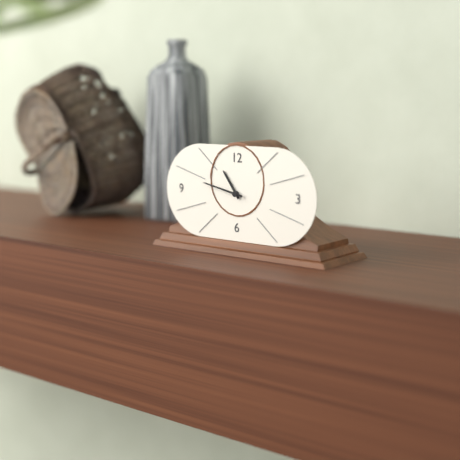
10h47
